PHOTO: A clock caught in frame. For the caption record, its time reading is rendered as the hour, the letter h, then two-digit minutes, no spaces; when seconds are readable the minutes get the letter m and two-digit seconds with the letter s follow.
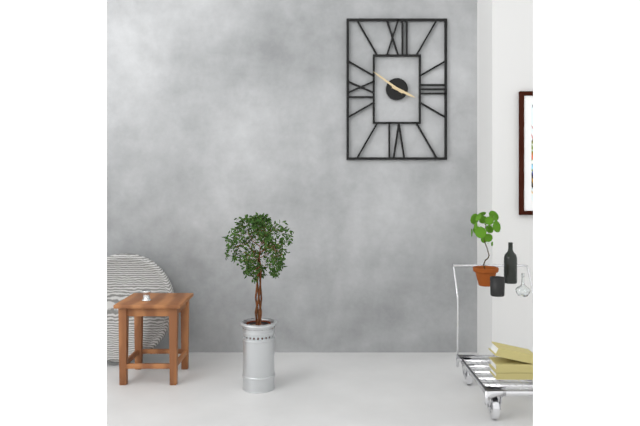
3h51
